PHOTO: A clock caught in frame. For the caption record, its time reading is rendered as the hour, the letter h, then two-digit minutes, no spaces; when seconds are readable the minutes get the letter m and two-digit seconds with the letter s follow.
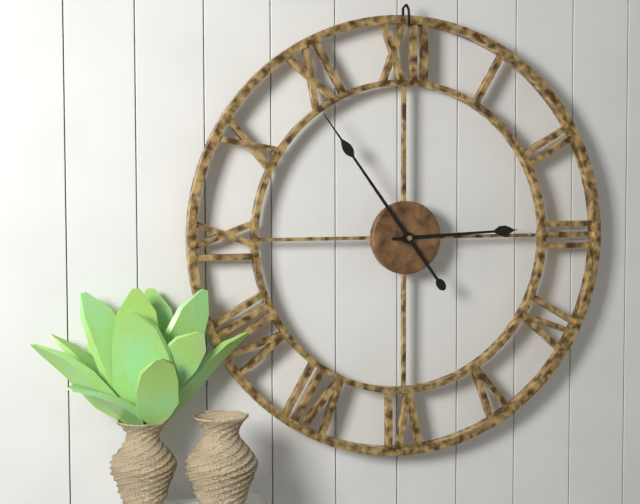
2h54
